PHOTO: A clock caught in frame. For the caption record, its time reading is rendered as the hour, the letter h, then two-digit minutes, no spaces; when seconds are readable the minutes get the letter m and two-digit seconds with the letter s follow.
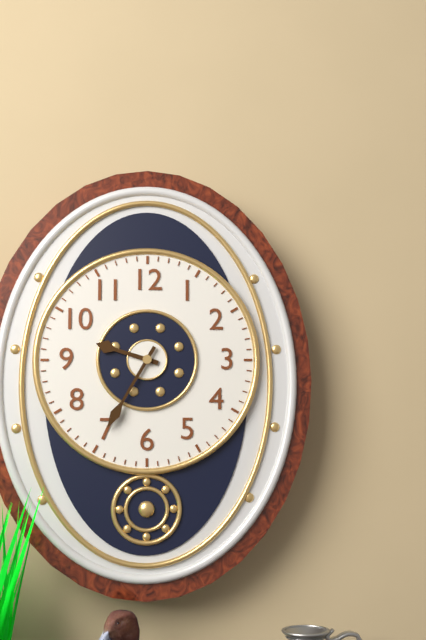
9h35
